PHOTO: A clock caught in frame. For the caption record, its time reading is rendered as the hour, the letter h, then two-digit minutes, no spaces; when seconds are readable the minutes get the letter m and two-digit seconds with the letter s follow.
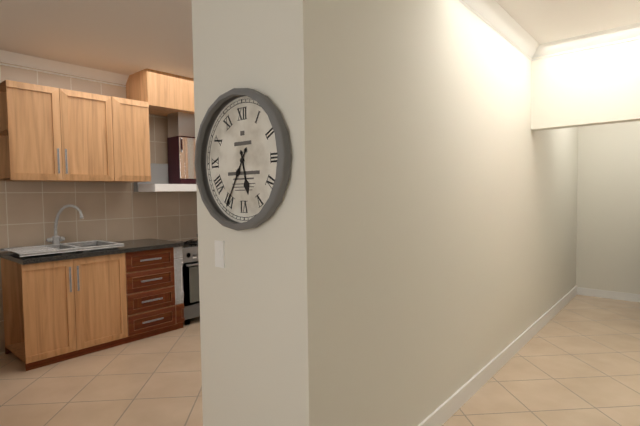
5h35
